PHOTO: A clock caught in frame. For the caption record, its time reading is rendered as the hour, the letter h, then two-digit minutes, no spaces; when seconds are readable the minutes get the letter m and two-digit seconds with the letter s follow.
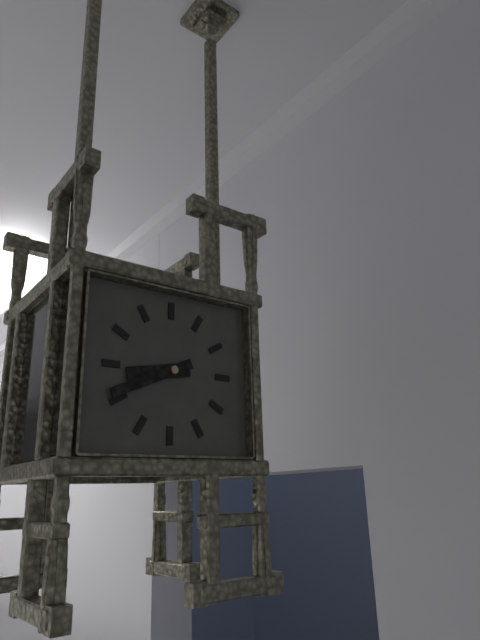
8h41
